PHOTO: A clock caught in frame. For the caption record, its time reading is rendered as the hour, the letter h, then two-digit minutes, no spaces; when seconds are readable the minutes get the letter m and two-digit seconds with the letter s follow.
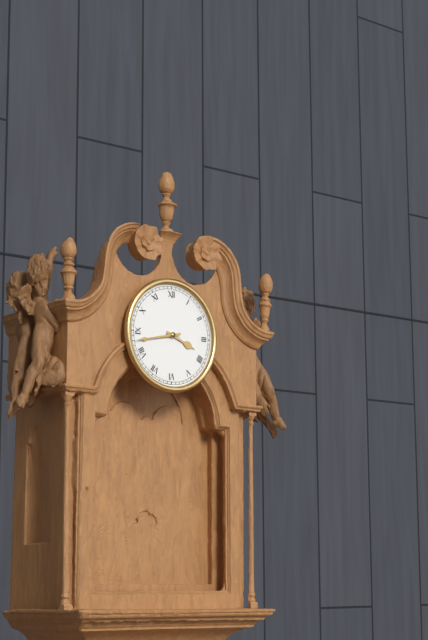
3h43
